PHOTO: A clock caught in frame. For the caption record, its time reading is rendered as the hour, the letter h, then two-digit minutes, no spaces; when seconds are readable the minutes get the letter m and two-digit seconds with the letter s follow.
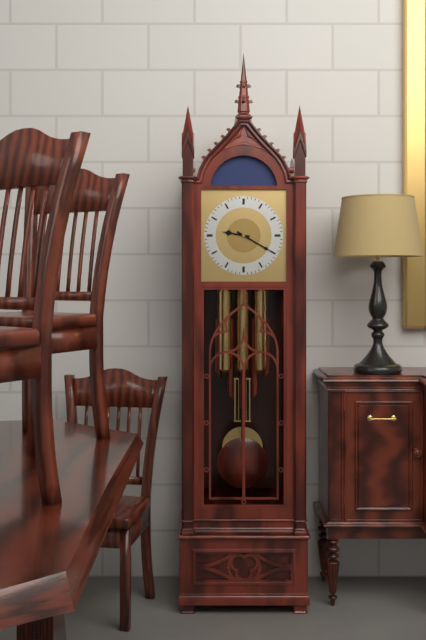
9h20
